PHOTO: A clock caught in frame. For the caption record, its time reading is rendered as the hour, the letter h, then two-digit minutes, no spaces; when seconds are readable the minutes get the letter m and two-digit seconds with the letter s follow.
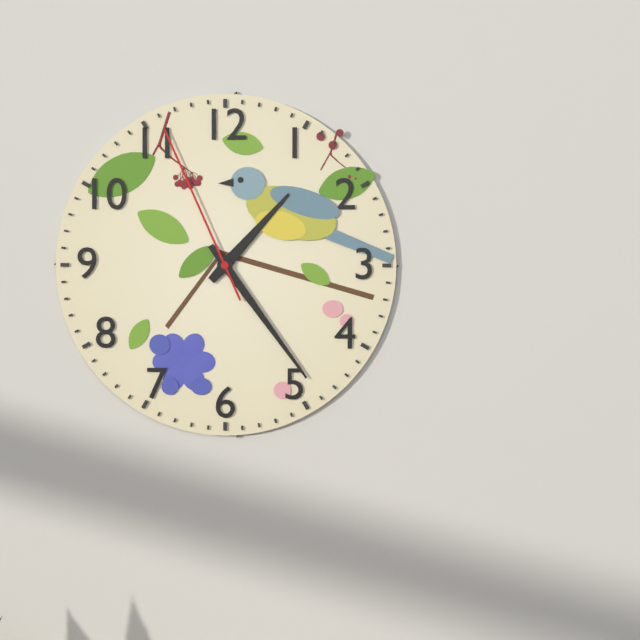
1h24m56s
